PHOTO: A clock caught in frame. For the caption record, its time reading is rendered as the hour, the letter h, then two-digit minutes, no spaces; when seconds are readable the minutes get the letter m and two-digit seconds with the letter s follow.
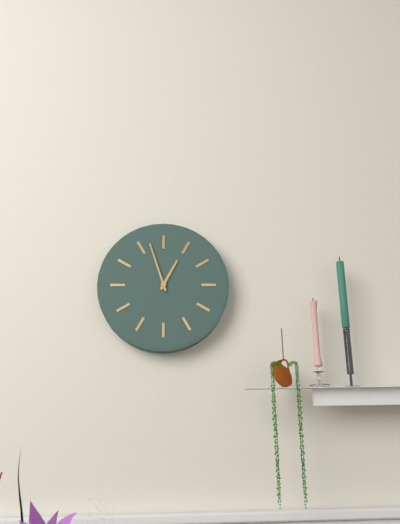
12h57
